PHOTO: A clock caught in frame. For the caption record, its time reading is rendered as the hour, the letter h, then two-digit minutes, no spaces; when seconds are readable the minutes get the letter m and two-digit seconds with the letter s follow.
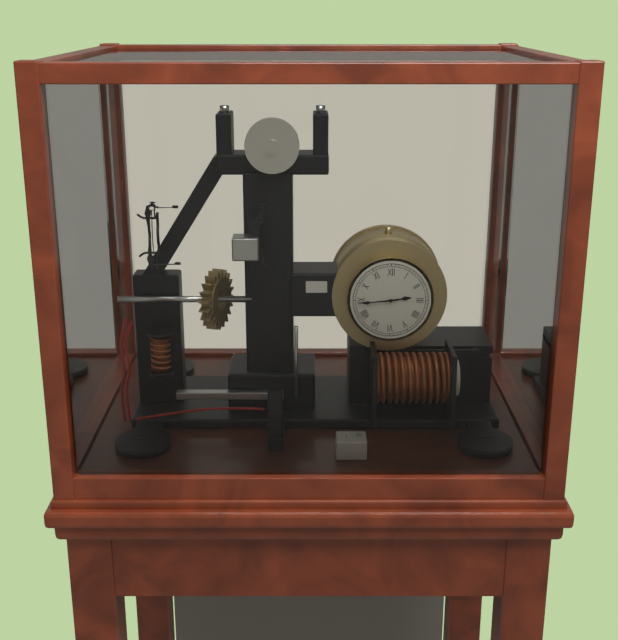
2h44
